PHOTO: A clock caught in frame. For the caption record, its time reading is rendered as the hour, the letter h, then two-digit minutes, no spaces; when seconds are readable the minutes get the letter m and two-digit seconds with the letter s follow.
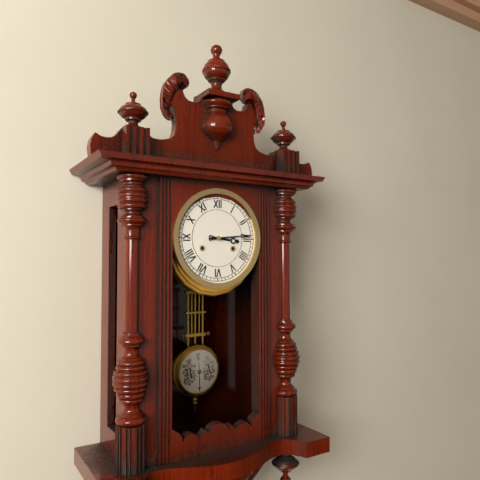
3h14
